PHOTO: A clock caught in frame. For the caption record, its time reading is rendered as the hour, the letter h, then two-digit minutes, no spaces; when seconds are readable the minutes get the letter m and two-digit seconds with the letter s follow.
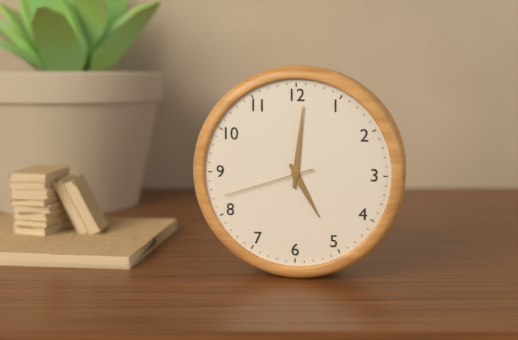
5h01m42s
